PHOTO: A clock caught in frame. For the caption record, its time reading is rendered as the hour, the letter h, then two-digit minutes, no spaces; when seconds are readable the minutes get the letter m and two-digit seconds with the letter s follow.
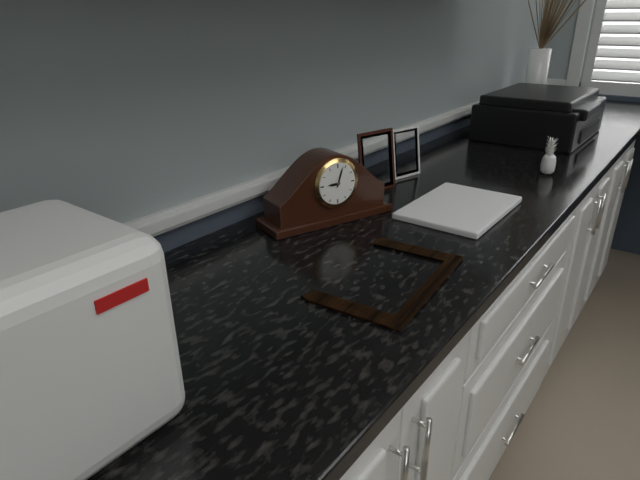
9h03
